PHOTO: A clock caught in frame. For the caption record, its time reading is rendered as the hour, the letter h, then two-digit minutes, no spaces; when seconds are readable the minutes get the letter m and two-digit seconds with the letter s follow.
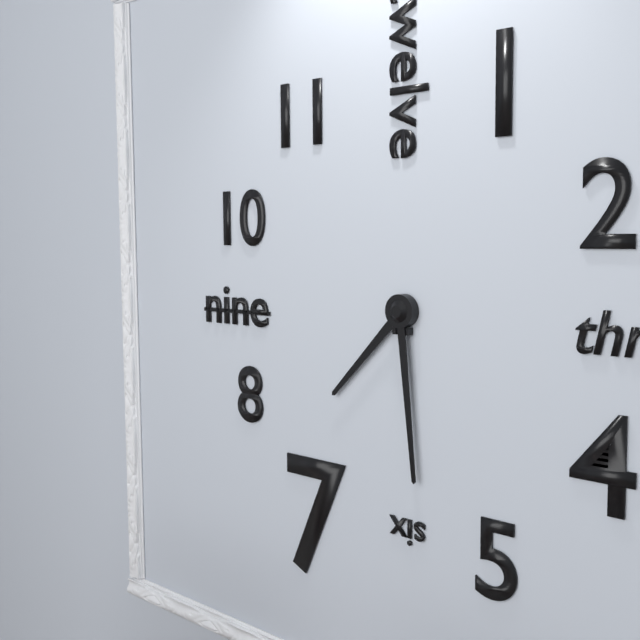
7h29
